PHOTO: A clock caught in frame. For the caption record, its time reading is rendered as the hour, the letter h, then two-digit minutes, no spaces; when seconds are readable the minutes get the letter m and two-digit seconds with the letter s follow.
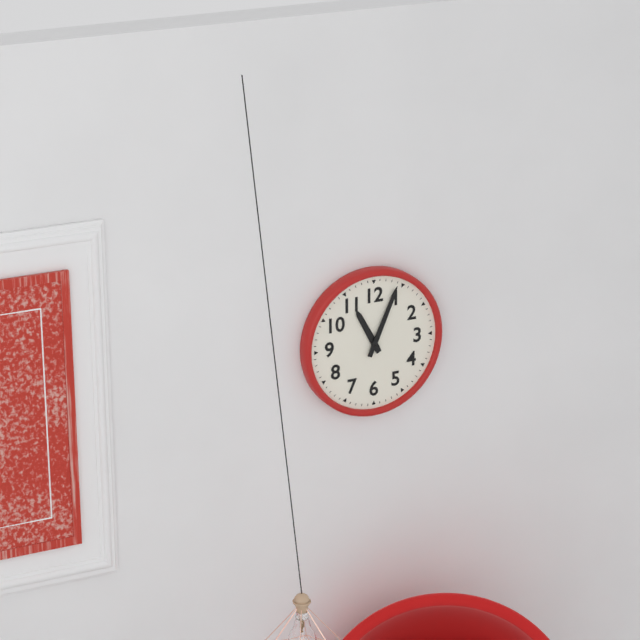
11h04
